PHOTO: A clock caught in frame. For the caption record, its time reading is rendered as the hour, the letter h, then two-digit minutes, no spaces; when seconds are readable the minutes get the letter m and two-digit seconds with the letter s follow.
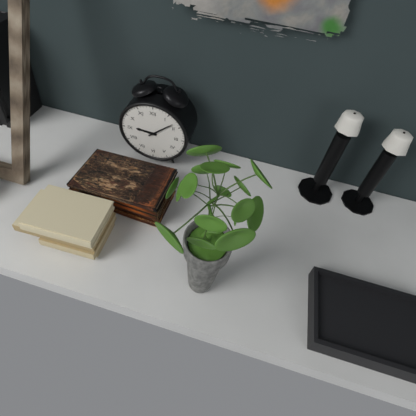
9h08
